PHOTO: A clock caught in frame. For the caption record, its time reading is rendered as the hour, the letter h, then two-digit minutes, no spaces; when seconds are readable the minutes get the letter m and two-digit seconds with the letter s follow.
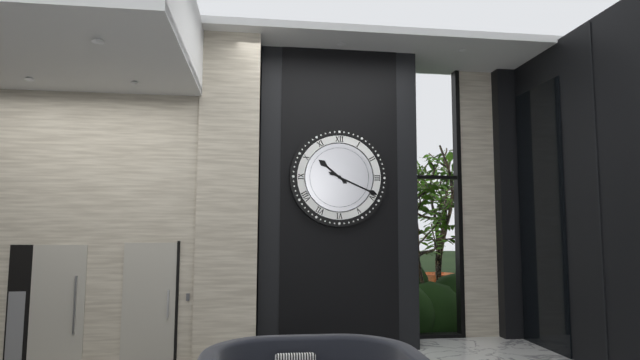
10h19
